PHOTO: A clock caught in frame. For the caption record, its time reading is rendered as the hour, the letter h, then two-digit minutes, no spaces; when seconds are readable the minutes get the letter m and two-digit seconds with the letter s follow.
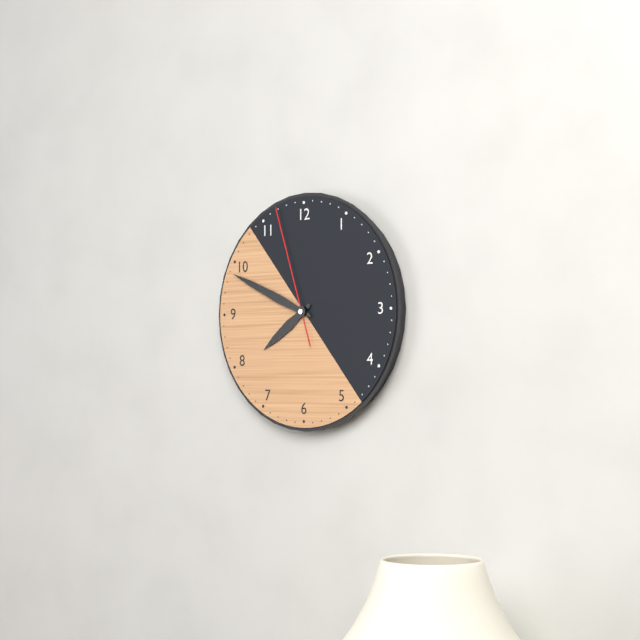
7h49m57s
